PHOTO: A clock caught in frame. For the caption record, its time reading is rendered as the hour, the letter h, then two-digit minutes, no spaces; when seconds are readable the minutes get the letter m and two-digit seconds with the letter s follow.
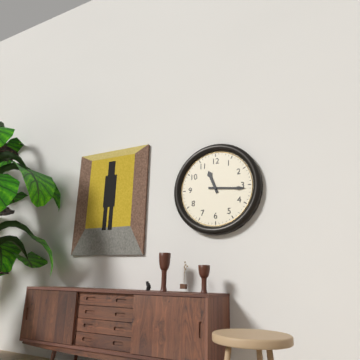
11h16
